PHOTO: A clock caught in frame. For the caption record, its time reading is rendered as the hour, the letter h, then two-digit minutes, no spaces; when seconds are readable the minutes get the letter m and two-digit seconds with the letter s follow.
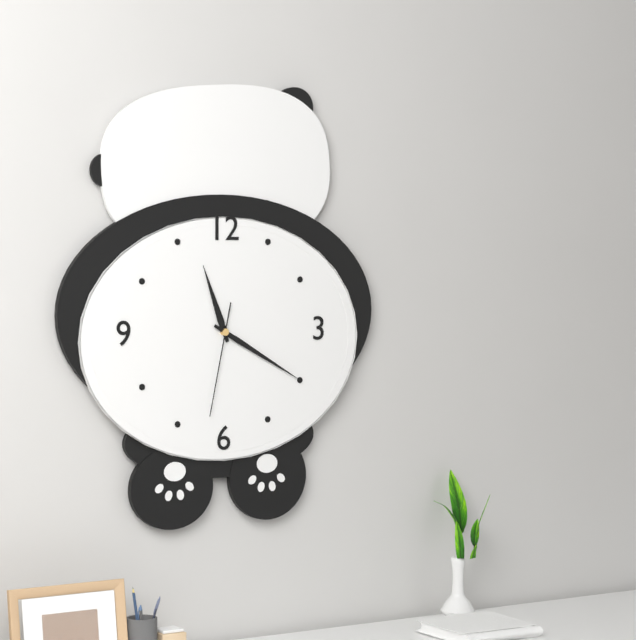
11h20m32s
